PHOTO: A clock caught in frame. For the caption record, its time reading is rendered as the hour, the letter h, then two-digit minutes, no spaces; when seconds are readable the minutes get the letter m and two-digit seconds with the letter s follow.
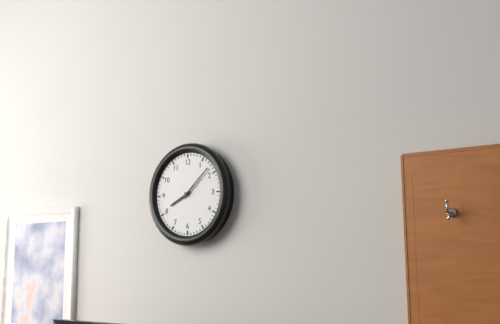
8h08
